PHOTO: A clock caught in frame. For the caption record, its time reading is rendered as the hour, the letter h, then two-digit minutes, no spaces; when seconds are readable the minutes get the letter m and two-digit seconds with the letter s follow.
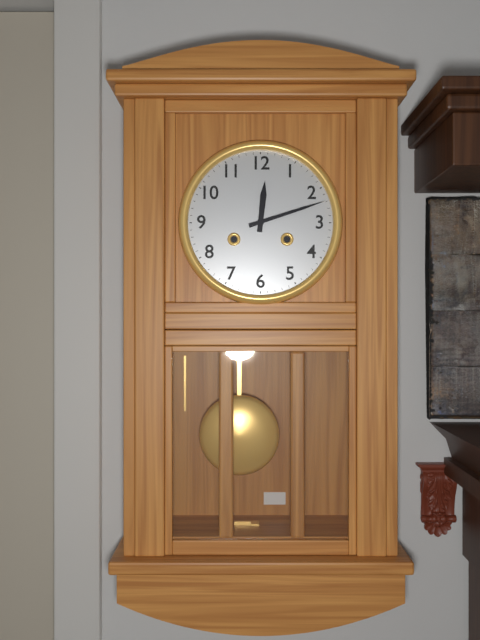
12h12
